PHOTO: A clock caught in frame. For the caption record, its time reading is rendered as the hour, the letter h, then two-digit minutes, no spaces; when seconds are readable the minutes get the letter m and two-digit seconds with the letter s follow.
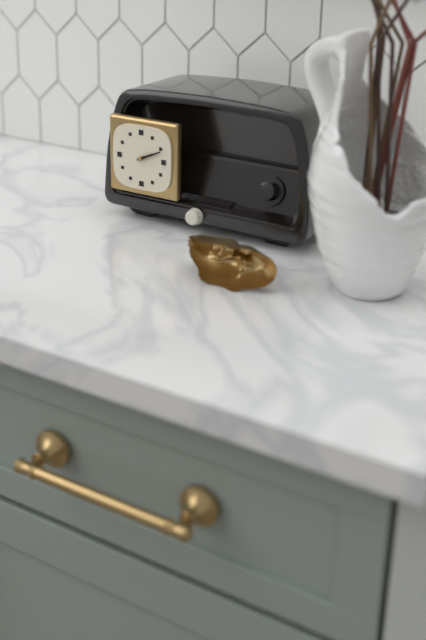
2h11
